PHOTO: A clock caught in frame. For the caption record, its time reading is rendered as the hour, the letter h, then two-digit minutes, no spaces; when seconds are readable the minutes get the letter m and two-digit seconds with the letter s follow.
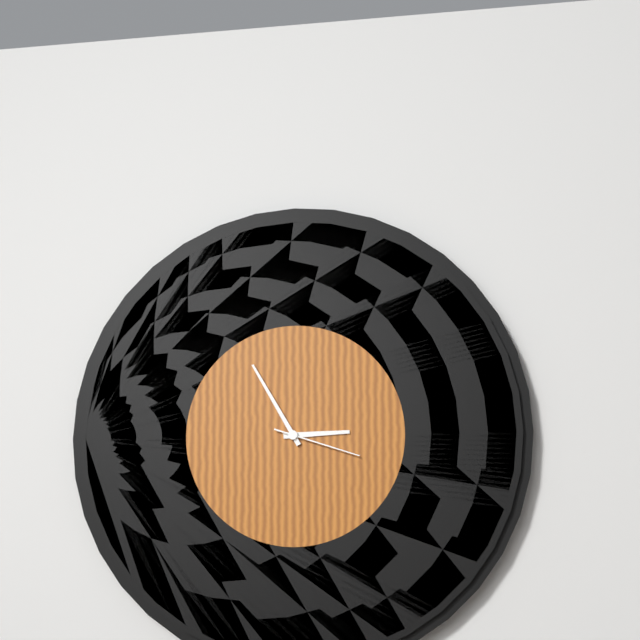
2h55m18s
